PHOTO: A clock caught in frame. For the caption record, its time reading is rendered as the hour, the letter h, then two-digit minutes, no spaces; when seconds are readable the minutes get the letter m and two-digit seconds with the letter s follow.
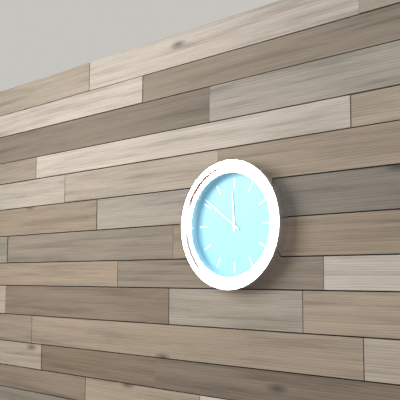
11h51
